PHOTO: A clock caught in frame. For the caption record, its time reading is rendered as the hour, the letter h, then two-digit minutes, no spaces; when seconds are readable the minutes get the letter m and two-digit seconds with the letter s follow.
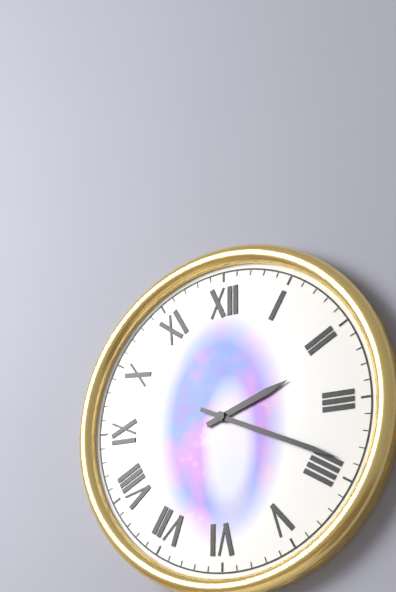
2h19
